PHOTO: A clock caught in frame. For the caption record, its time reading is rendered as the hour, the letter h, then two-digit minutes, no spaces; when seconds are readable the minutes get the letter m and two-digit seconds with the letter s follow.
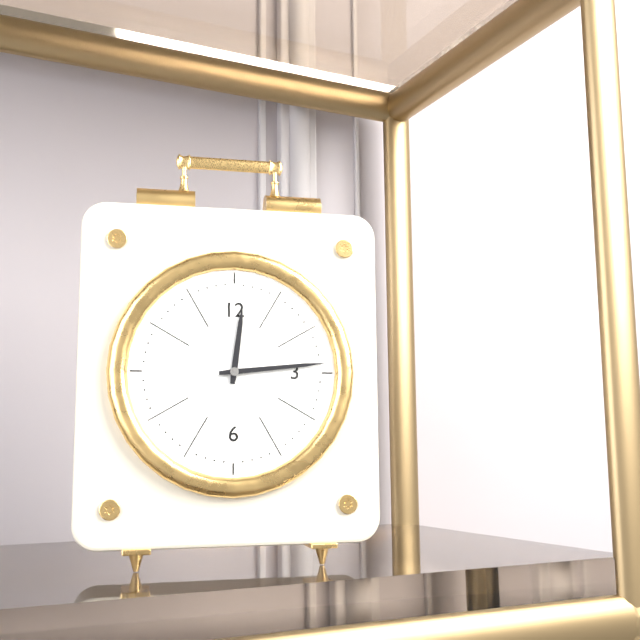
12h14
